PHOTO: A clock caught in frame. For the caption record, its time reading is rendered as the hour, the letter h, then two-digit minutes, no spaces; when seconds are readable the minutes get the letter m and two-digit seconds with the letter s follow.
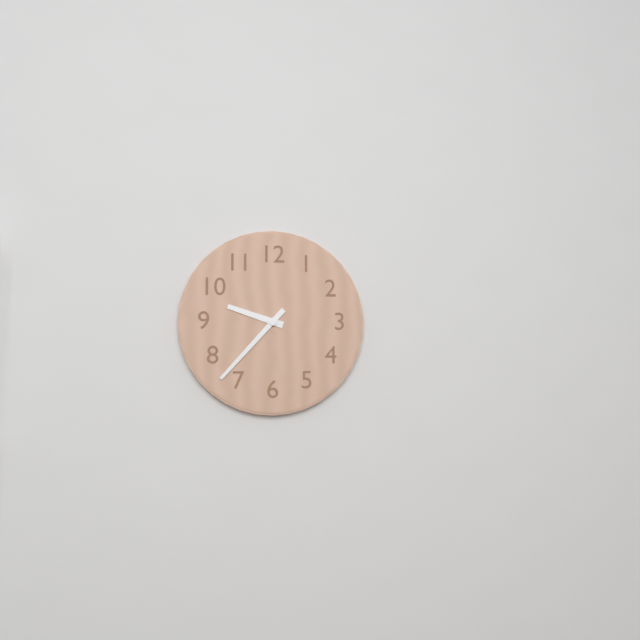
9h37
